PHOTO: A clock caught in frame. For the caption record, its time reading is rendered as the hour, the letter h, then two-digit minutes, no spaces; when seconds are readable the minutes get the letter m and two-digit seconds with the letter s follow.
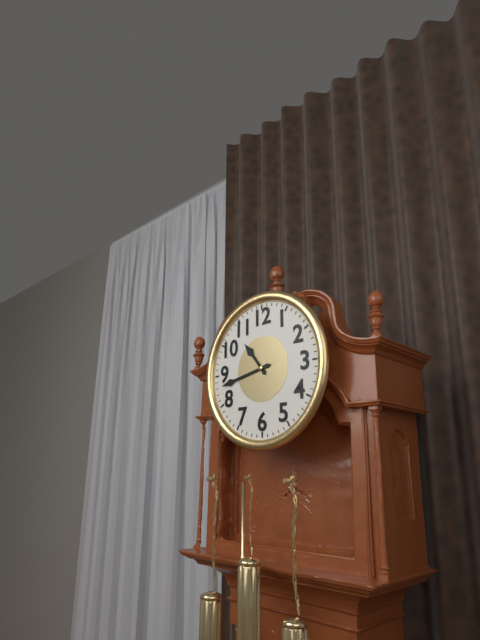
10h43
